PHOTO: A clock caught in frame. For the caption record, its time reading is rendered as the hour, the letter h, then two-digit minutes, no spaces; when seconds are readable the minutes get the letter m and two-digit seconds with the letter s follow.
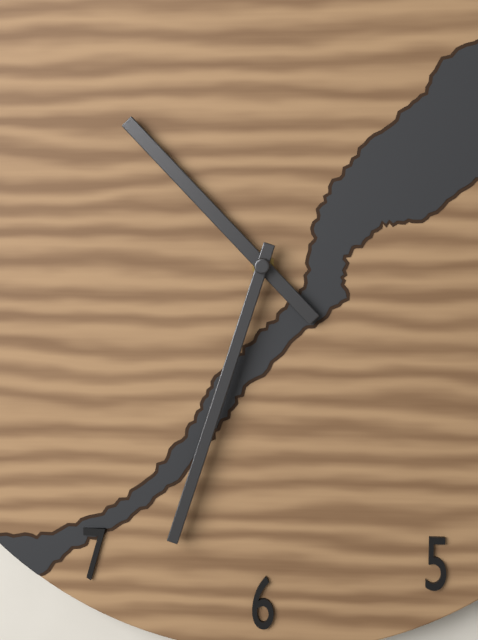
10h33
